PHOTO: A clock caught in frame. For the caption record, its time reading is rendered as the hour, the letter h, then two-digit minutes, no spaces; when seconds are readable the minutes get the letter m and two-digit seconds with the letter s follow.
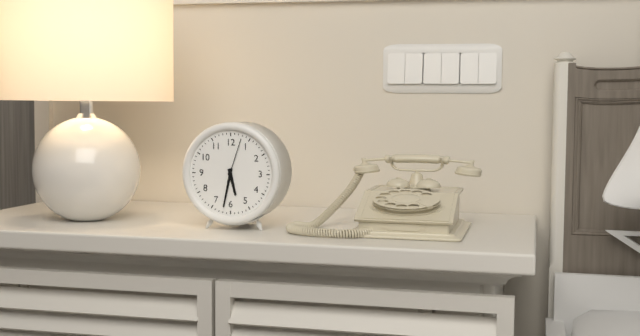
5h32
